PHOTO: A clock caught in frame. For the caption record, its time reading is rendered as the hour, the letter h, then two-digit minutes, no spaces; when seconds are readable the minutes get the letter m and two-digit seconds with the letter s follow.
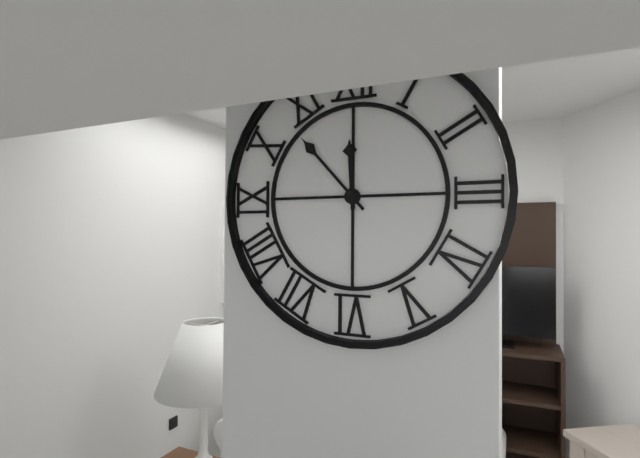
11h53
